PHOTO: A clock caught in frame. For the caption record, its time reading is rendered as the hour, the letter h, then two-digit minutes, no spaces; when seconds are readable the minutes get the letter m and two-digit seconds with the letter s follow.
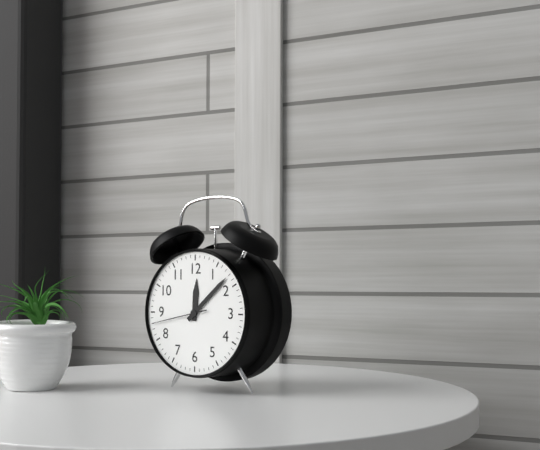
12h08m43s
